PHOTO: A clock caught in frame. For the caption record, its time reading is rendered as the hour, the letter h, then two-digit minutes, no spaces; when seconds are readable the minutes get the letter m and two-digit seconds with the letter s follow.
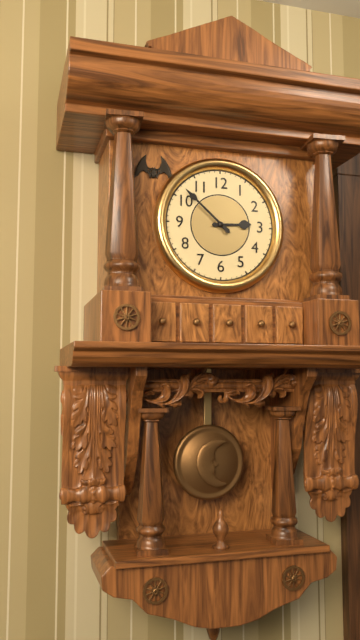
2h52
